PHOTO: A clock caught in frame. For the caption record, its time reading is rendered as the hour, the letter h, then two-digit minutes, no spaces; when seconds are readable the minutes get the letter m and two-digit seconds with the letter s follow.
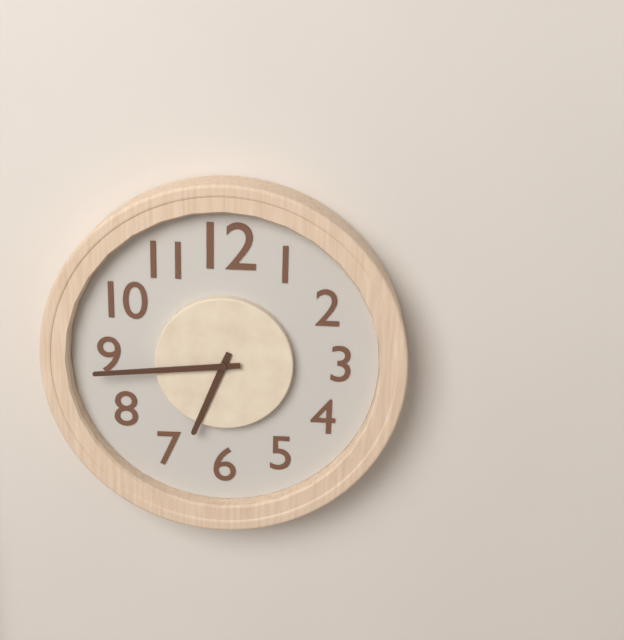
6h44
